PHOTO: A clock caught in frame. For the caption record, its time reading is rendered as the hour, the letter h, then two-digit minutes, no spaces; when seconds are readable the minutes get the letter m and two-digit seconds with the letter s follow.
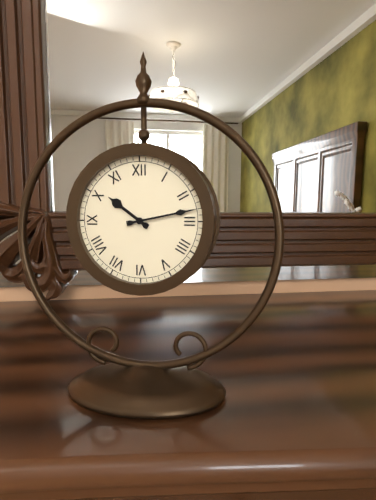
10h13
